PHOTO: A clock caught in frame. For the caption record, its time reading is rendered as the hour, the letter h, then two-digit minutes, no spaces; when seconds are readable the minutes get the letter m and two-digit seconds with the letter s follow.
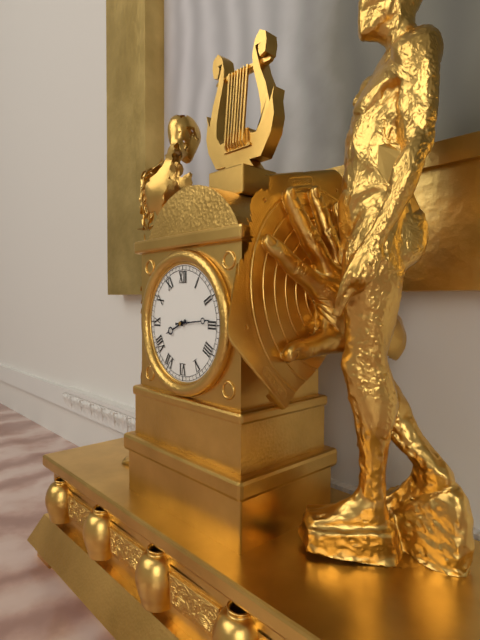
8h14
